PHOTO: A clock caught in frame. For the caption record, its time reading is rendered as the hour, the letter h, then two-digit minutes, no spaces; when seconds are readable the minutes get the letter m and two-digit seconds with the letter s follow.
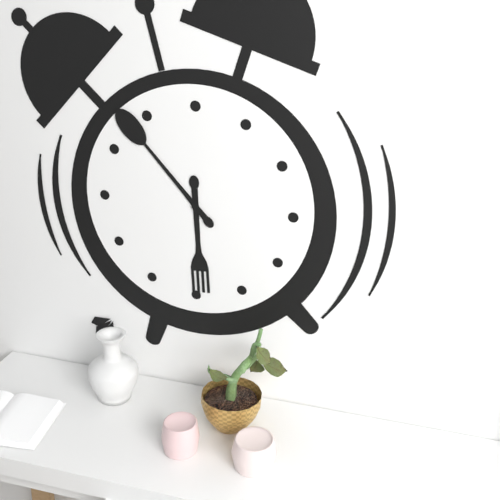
5h53
